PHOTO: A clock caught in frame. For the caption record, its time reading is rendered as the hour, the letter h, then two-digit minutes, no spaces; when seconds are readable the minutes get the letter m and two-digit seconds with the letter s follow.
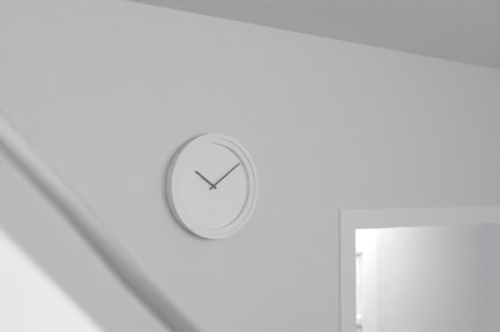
10h09
